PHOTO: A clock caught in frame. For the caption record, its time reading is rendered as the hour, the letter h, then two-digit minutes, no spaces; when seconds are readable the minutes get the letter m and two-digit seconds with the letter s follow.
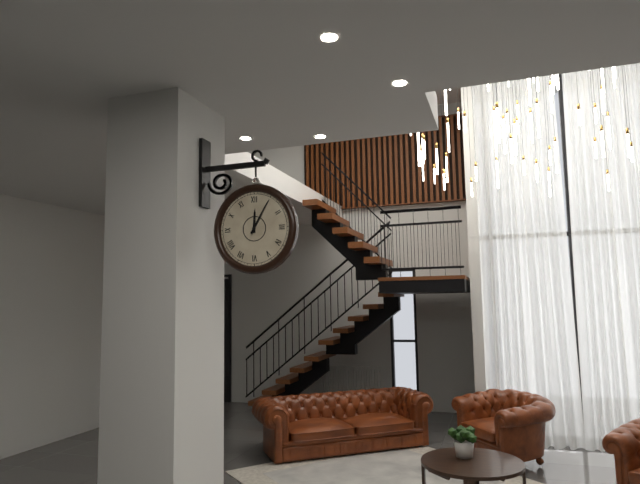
12h05
